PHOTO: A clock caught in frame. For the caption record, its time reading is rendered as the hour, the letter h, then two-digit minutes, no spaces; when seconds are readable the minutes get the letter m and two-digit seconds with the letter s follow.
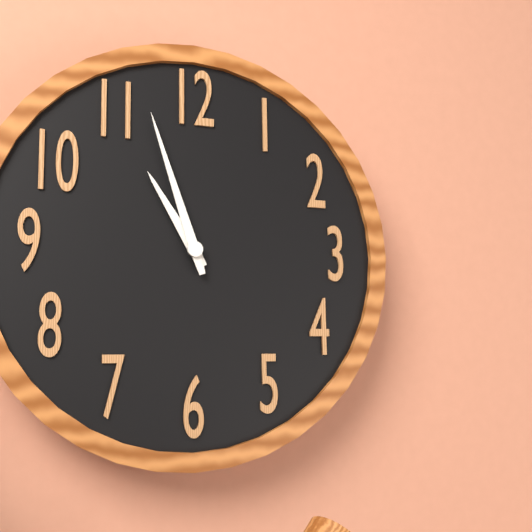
10h57
